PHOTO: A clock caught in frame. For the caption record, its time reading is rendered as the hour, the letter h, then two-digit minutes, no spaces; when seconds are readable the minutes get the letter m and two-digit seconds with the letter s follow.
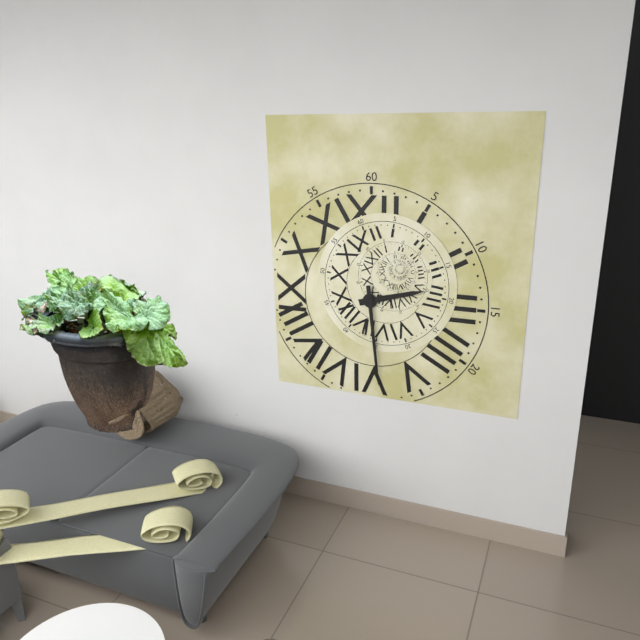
2h29
